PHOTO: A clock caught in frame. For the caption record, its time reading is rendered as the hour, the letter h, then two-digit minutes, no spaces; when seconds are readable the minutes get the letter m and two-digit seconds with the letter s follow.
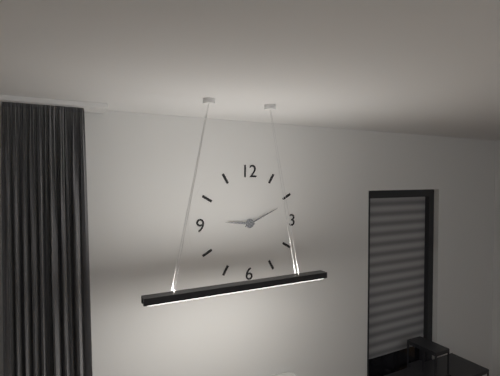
9h11
